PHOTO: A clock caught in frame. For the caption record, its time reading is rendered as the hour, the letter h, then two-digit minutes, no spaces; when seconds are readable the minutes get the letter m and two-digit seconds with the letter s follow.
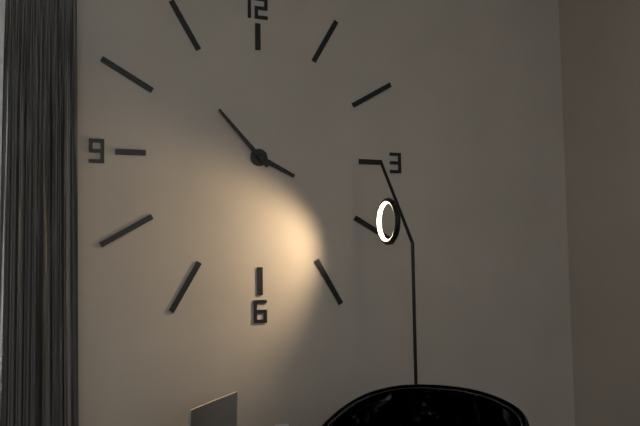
3h53
